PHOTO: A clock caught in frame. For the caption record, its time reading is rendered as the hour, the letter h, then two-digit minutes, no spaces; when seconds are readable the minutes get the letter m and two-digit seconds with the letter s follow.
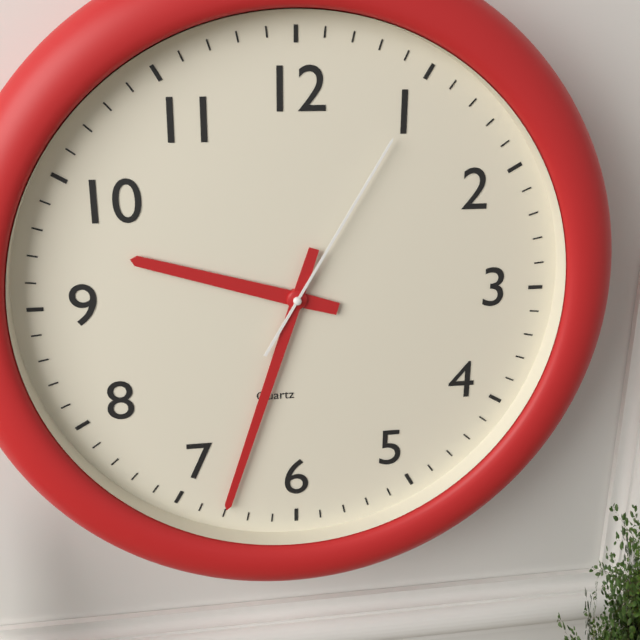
9h33m05s
